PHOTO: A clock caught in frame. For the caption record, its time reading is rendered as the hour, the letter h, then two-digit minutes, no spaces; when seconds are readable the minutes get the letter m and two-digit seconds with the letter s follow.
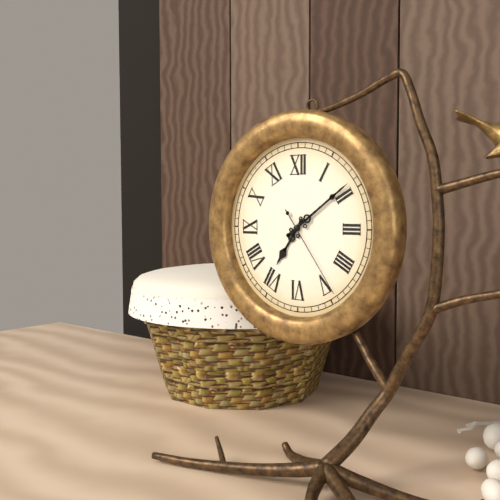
7h09m24s
